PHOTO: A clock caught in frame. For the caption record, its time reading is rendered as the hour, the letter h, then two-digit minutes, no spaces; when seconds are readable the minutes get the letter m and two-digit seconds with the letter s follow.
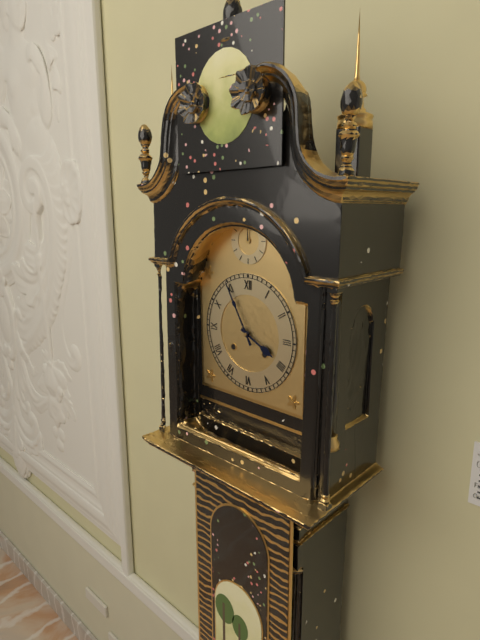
3h55
